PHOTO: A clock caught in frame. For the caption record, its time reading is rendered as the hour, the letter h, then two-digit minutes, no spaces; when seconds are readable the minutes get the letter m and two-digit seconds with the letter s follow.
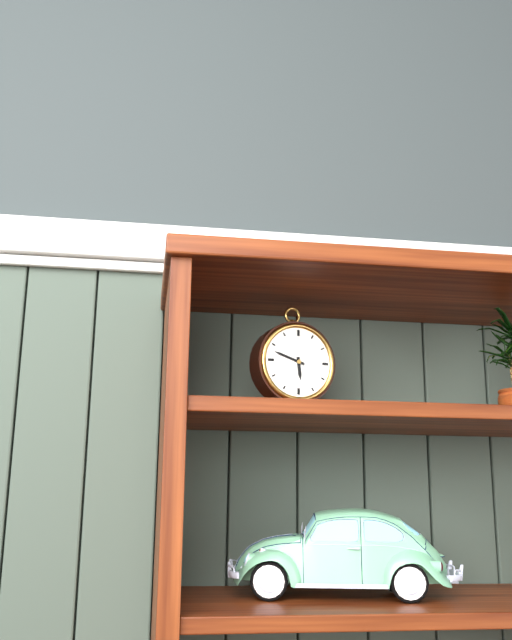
5h48
